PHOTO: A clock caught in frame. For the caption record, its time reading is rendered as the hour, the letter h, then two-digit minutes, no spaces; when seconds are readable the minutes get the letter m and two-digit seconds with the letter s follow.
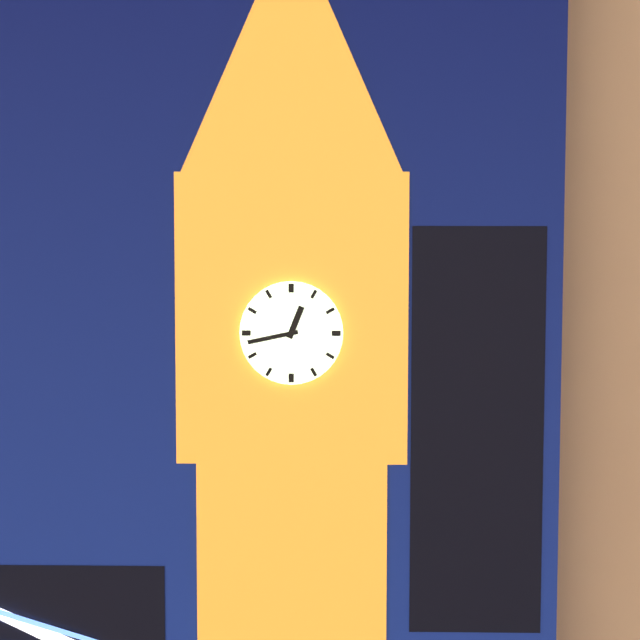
12h43
